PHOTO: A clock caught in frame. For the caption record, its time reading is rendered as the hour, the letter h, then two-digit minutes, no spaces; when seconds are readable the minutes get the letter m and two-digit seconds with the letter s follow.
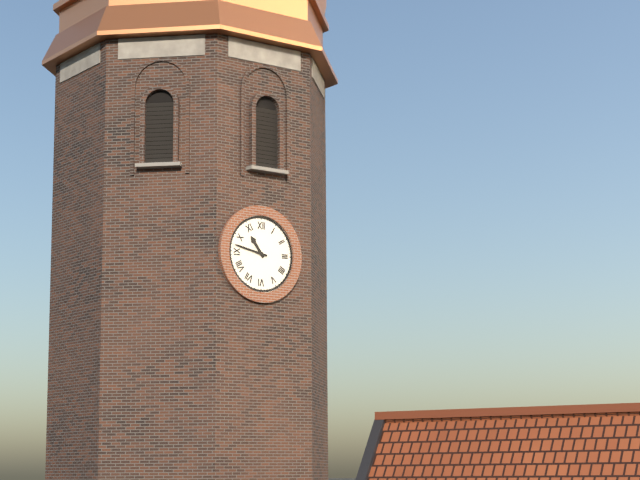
10h47
